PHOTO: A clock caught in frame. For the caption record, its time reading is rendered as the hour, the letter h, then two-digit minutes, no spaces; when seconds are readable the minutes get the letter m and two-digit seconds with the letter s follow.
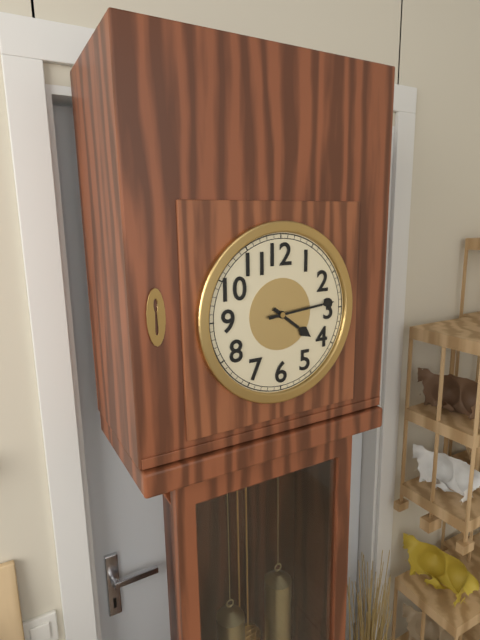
4h14
